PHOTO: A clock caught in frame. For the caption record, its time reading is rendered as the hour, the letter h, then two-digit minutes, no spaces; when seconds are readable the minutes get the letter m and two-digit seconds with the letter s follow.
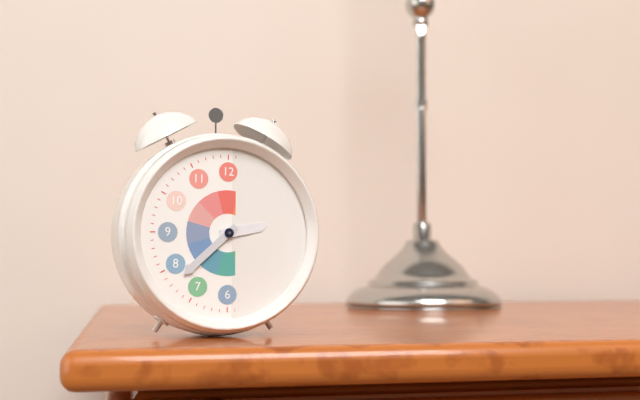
2h38
